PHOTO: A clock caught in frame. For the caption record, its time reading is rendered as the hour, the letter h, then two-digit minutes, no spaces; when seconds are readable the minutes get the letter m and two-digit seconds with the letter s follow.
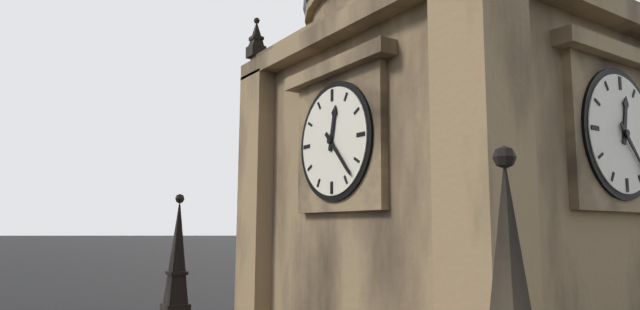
12h23
